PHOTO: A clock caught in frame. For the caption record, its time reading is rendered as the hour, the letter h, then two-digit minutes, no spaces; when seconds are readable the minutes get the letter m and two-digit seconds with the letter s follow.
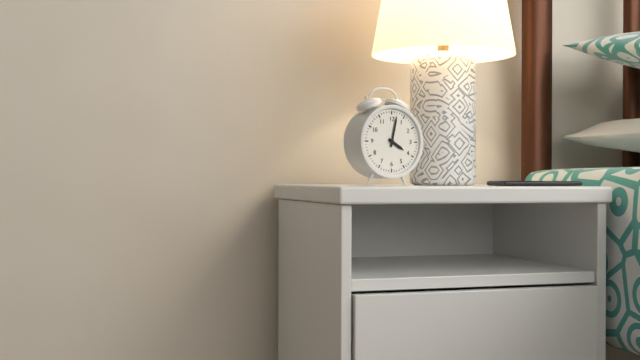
4h02
